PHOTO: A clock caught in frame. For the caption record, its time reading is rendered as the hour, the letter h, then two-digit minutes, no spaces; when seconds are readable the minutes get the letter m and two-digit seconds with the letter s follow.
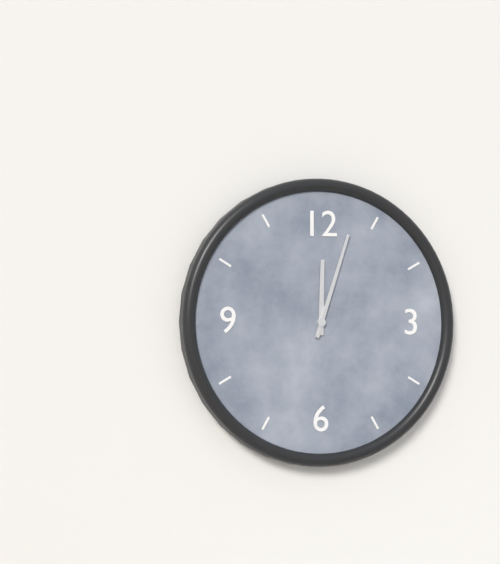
12h03
